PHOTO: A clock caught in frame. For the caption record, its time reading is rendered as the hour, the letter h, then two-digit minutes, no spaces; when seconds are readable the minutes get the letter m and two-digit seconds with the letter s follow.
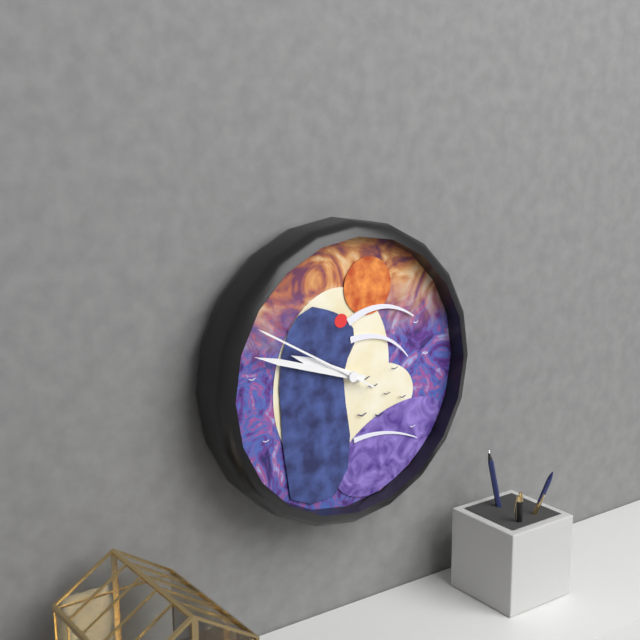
9h48m50s
